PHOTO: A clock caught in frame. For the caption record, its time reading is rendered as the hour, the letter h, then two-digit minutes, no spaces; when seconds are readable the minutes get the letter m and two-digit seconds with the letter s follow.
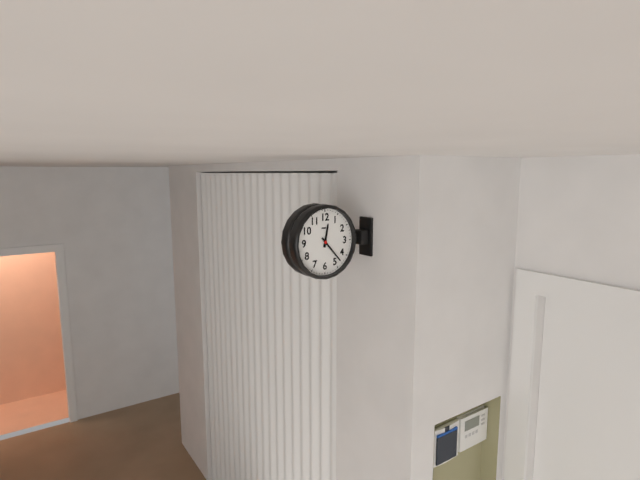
12h23
